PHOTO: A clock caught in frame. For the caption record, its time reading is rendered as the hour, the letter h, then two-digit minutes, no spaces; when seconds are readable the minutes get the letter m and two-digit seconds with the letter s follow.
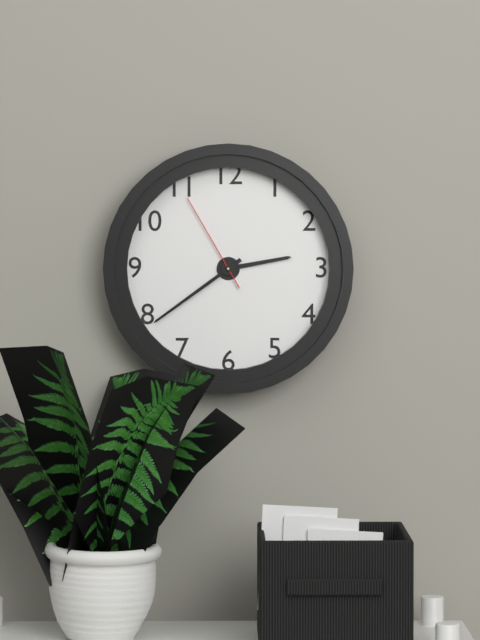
2h39m55s
